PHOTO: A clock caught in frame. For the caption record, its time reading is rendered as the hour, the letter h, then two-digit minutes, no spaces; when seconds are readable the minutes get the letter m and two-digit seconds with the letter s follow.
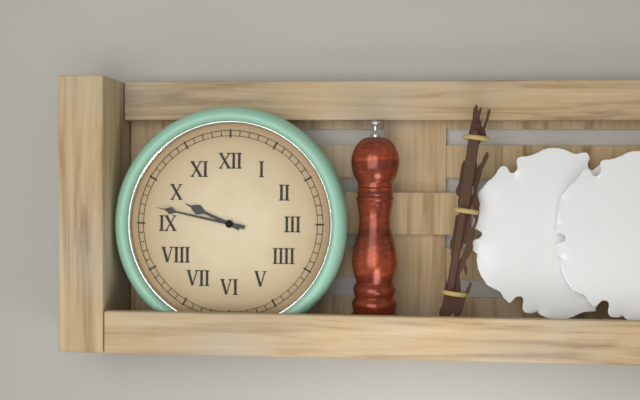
9h47
